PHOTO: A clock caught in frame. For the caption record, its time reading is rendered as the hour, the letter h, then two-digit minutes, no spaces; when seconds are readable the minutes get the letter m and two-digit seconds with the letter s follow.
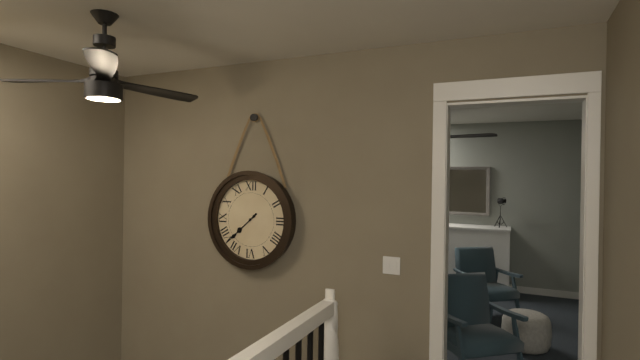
7h38
